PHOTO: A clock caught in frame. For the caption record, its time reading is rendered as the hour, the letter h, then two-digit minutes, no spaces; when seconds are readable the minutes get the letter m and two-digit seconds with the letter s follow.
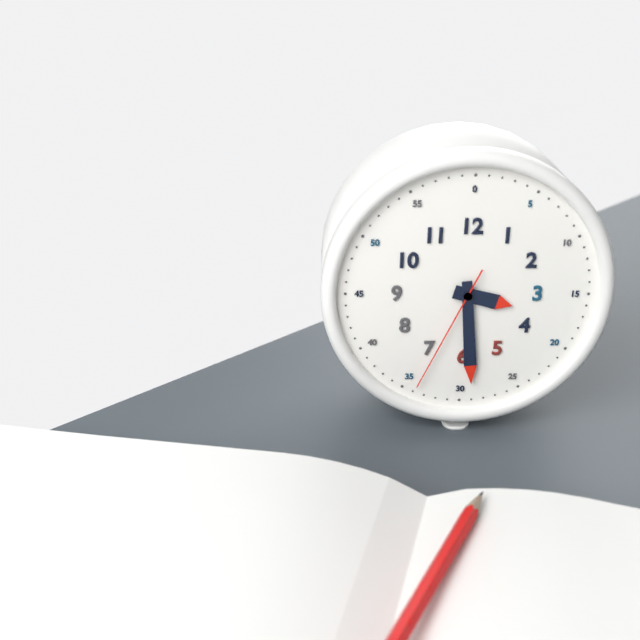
3h29m34s
